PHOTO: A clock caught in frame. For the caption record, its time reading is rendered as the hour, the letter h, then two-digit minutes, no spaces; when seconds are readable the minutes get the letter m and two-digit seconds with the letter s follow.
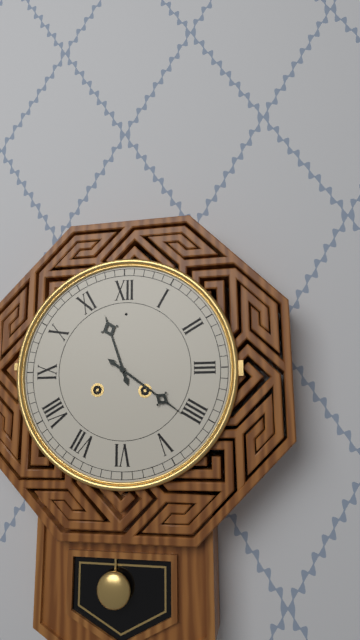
11h21
